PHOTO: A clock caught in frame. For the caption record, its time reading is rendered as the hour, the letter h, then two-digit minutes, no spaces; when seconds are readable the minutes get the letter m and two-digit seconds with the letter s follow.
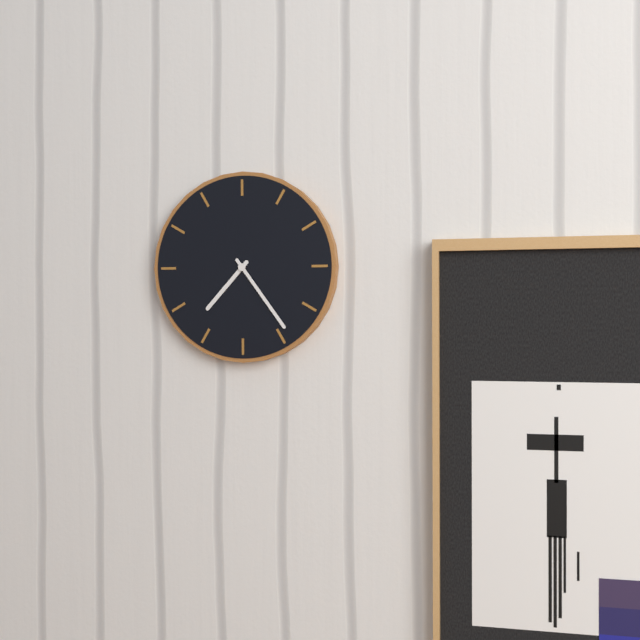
7h24
